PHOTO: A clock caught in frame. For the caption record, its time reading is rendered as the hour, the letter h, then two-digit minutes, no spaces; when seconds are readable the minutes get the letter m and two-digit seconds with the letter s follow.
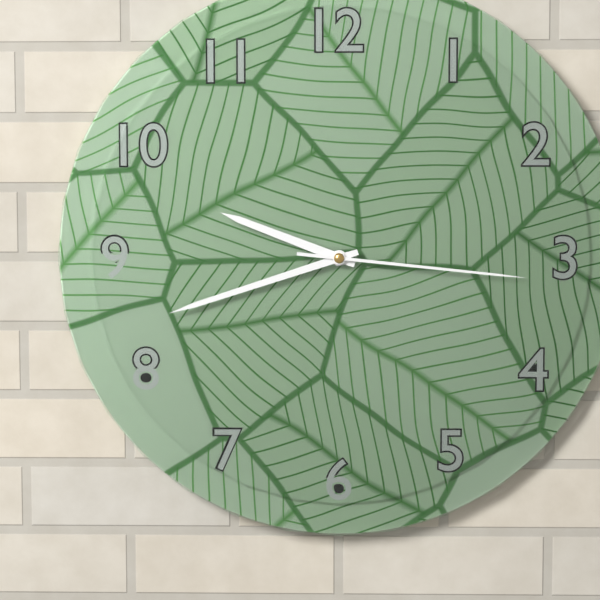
9h42m16s
